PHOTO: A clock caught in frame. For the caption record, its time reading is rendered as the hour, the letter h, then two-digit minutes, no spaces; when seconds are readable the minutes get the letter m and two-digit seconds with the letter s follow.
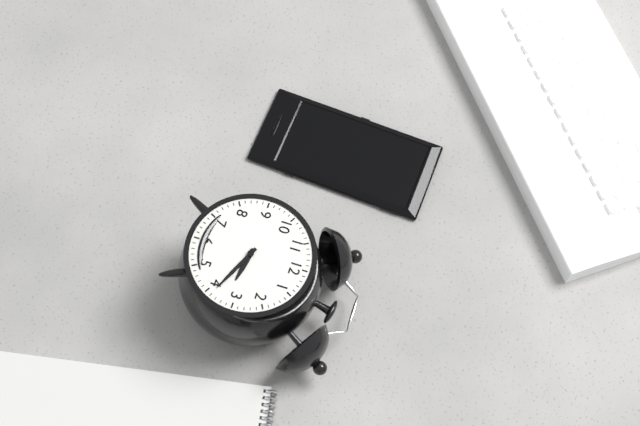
3h19
